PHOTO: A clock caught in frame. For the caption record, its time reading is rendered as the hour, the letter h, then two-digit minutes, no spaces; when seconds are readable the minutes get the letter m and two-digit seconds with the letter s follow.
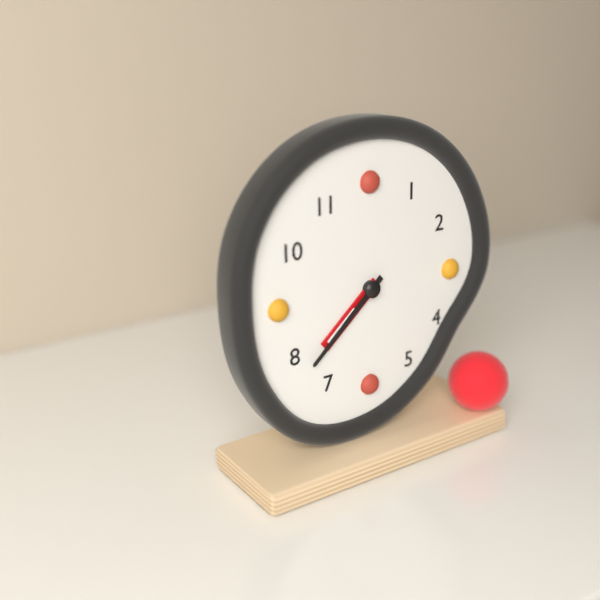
7h38
